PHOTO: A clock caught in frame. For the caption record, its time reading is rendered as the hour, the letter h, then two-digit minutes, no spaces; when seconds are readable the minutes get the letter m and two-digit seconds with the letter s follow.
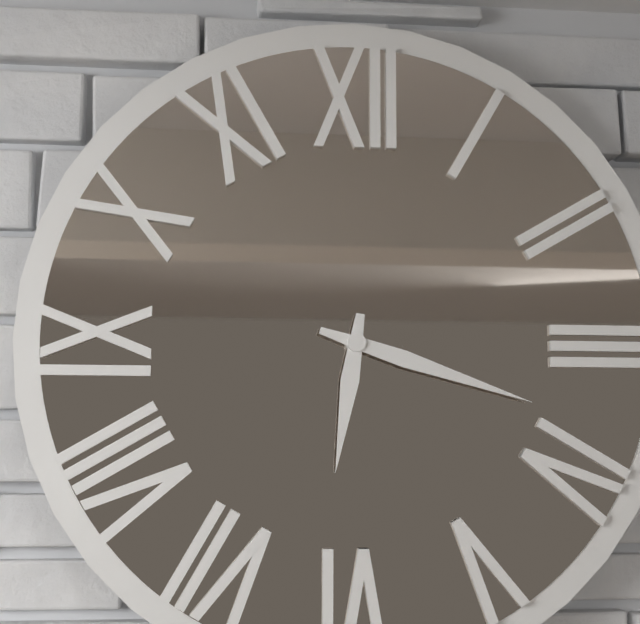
6h18
